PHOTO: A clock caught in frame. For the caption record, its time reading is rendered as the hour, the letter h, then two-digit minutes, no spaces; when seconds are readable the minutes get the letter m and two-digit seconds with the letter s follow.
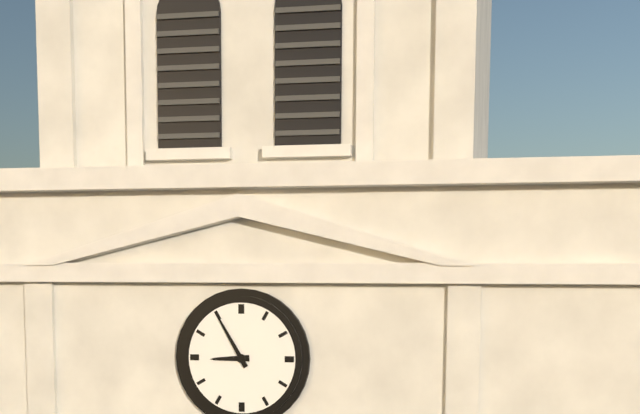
8h55
